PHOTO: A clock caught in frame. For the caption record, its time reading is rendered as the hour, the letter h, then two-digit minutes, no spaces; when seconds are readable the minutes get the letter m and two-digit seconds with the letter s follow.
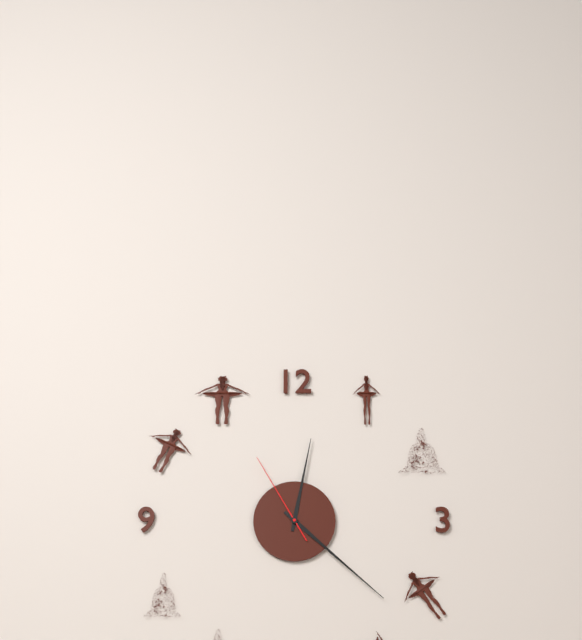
12h22m55s
